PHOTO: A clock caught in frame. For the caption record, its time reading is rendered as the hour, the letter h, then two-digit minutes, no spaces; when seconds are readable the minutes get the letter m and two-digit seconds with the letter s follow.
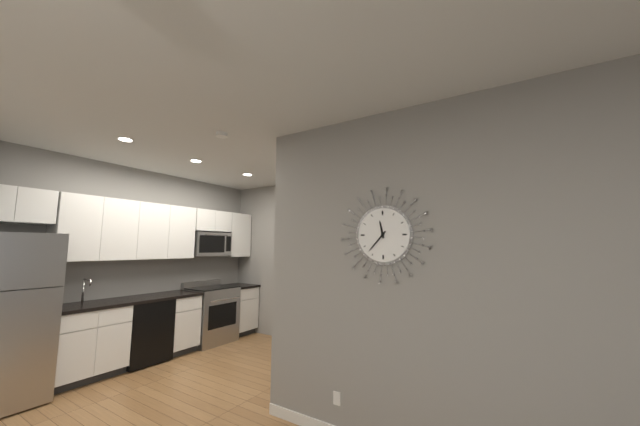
11h37
